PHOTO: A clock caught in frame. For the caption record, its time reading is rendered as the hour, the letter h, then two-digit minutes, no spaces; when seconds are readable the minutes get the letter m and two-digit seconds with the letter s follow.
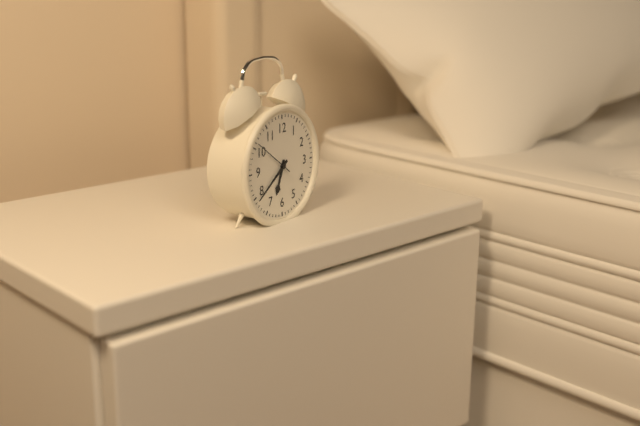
6h39
